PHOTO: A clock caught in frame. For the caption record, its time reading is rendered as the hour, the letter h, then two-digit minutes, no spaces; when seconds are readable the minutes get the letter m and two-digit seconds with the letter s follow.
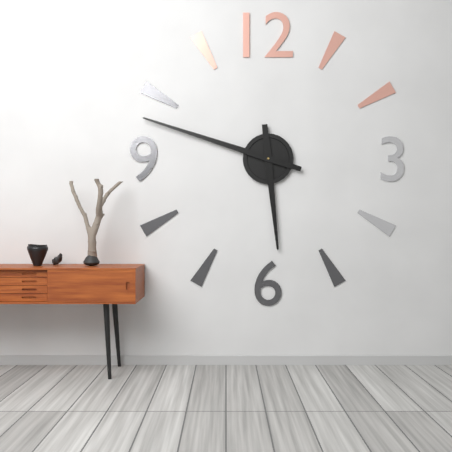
5h48
